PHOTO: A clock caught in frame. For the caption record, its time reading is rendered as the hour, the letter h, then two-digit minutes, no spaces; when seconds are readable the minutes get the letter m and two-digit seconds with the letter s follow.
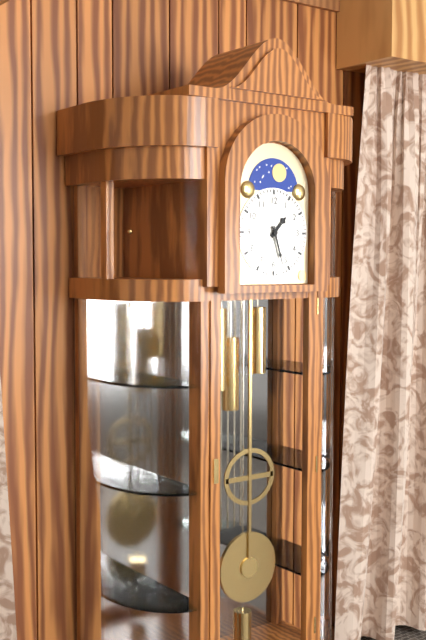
1h27
